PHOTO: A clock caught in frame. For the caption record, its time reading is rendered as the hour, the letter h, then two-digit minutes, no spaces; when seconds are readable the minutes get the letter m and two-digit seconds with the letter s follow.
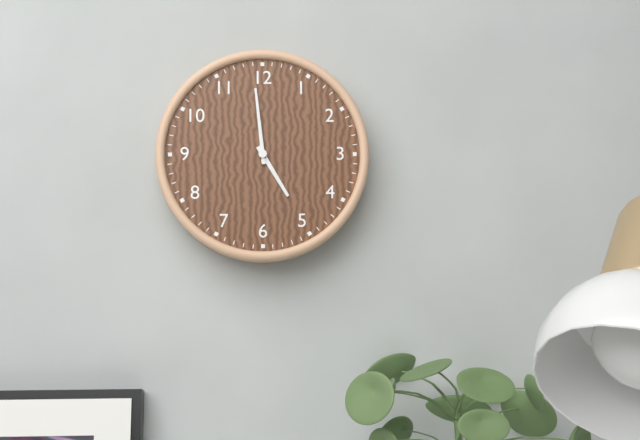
4h59
